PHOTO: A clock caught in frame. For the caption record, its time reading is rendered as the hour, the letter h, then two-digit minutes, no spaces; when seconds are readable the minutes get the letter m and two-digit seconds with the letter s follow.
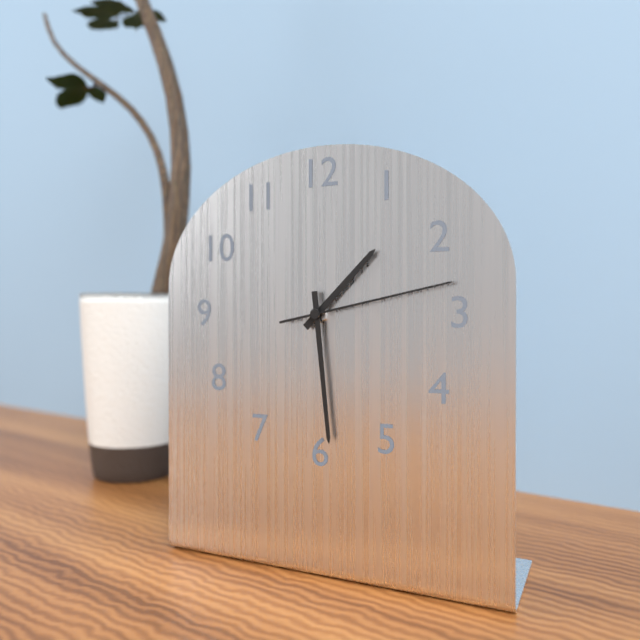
1h29m13s
